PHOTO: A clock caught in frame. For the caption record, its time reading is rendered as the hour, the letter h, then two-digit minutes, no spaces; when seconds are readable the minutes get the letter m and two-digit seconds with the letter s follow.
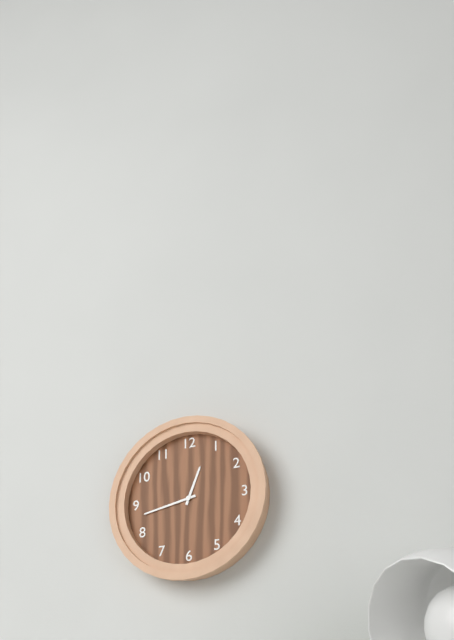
12h43
